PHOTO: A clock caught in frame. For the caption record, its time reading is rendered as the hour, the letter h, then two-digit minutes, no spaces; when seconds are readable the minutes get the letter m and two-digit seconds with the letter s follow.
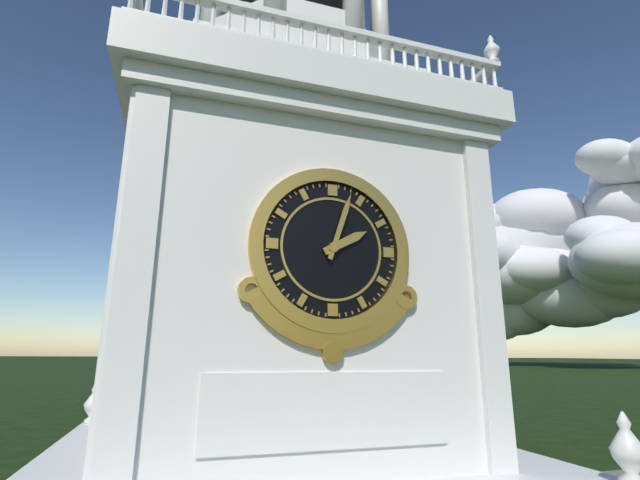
2h03
